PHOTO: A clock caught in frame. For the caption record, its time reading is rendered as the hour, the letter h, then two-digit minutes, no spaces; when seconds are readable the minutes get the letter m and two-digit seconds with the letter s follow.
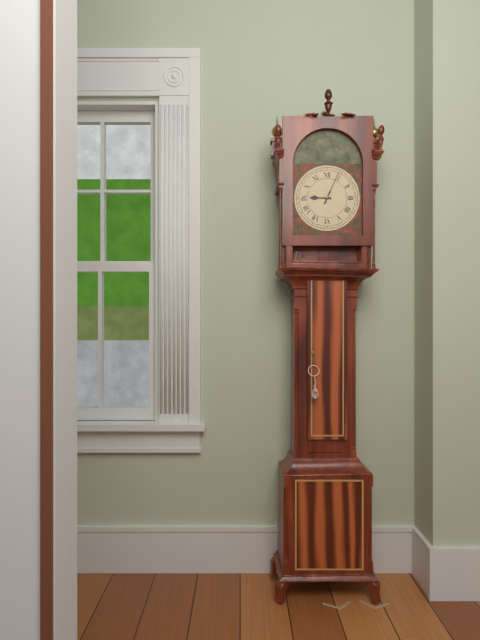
9h04
